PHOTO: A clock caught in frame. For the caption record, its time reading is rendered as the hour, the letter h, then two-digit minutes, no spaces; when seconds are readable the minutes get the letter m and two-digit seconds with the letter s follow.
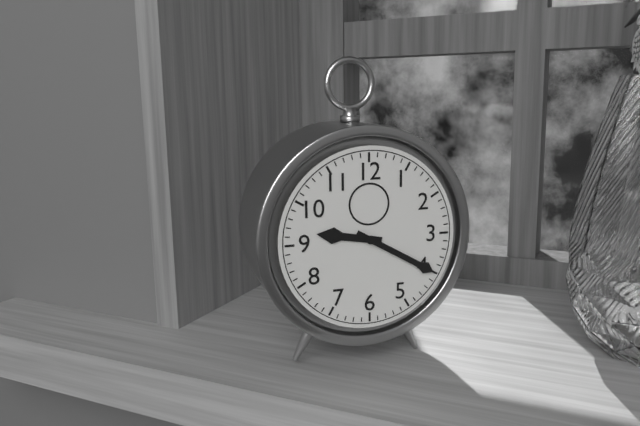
9h20
